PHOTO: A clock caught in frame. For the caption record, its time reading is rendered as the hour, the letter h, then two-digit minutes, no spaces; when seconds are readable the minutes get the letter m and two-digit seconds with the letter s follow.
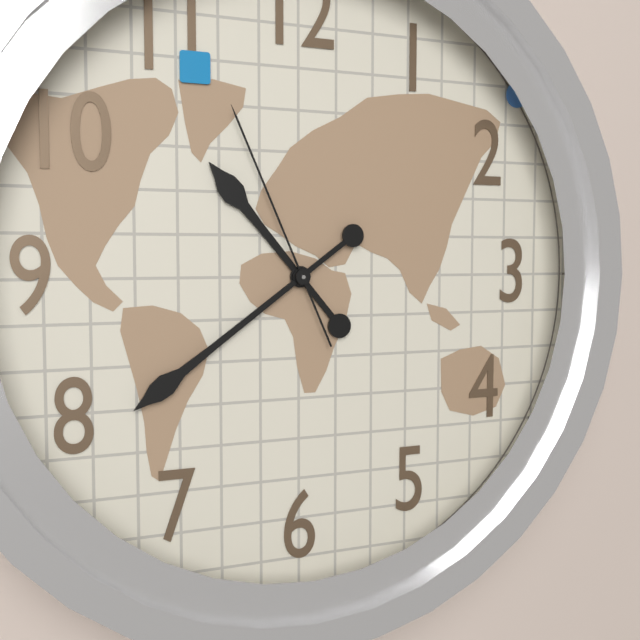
10h39m56s
